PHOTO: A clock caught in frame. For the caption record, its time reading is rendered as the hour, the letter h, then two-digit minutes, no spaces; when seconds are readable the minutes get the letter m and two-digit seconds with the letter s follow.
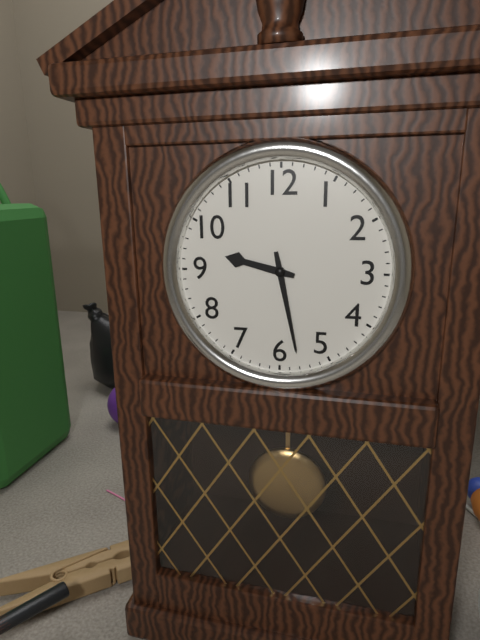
9h28
